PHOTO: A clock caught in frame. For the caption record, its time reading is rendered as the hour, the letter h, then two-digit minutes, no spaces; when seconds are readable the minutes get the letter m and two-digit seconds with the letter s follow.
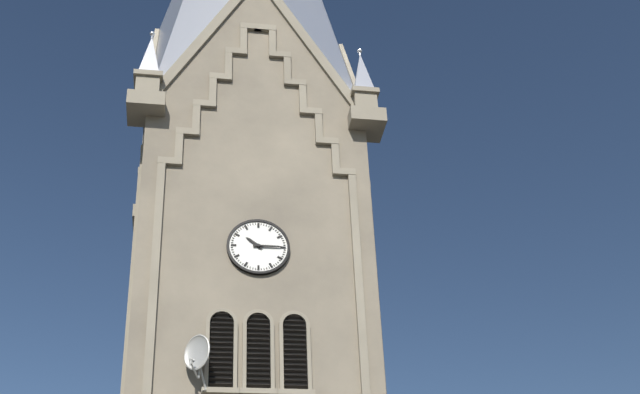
10h15
